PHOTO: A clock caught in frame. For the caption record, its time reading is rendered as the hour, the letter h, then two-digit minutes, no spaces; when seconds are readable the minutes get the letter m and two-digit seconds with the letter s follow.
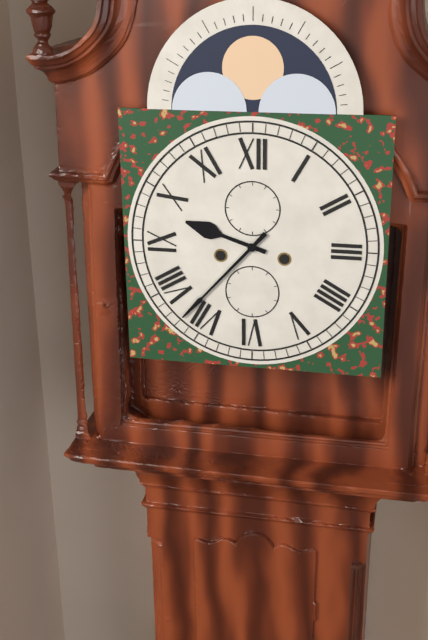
9h37
